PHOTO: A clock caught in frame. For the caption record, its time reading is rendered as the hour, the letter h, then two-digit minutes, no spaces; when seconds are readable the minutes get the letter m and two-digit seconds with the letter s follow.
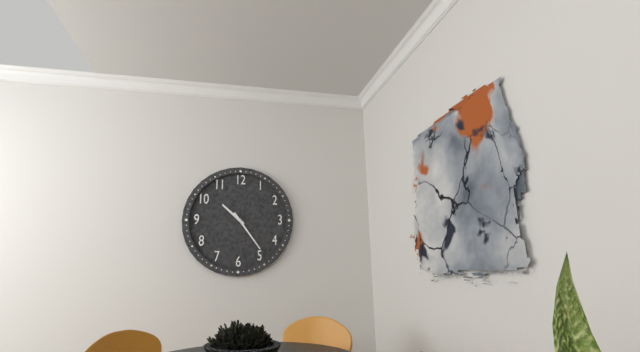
10h24
